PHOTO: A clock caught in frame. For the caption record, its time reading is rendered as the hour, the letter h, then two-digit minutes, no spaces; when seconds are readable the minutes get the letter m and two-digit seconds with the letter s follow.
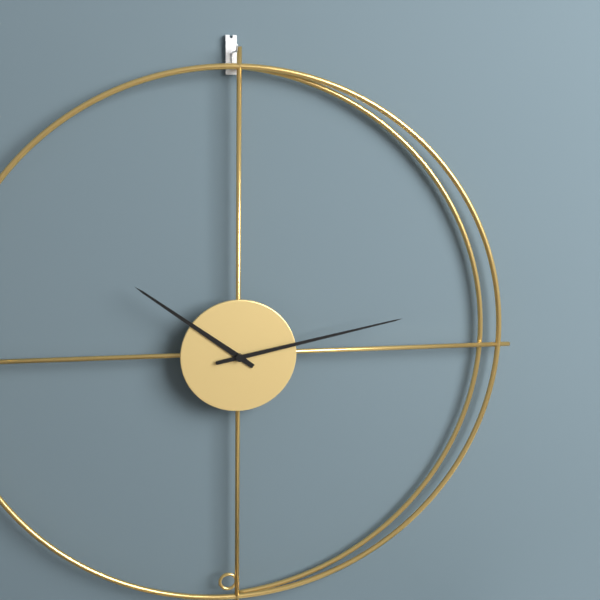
10h13
